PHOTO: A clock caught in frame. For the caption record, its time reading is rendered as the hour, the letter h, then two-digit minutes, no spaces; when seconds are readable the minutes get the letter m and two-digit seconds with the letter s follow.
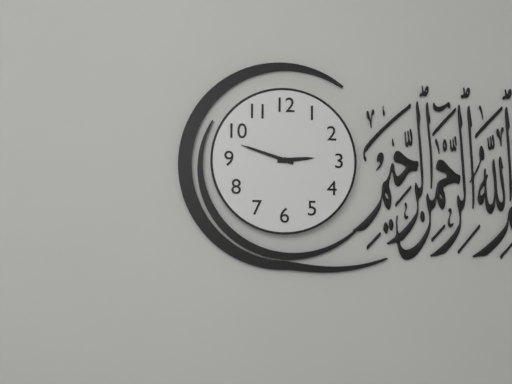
2h48
